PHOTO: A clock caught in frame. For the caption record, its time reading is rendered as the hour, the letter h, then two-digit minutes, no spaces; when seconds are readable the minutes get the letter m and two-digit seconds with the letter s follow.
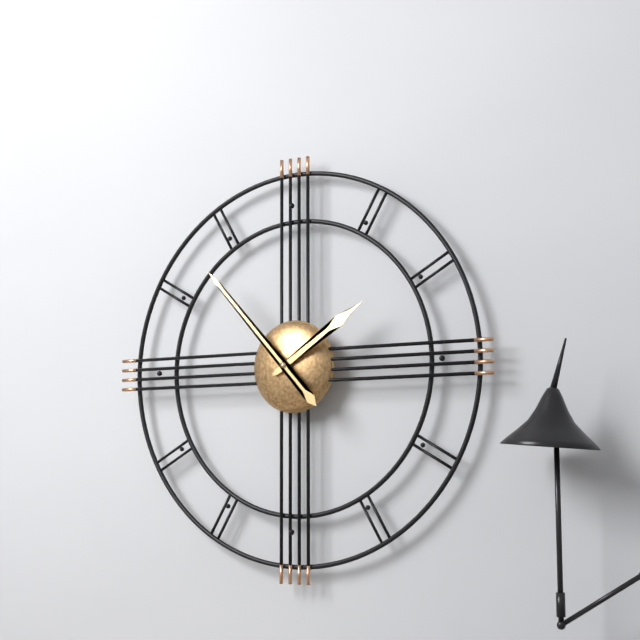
1h53
